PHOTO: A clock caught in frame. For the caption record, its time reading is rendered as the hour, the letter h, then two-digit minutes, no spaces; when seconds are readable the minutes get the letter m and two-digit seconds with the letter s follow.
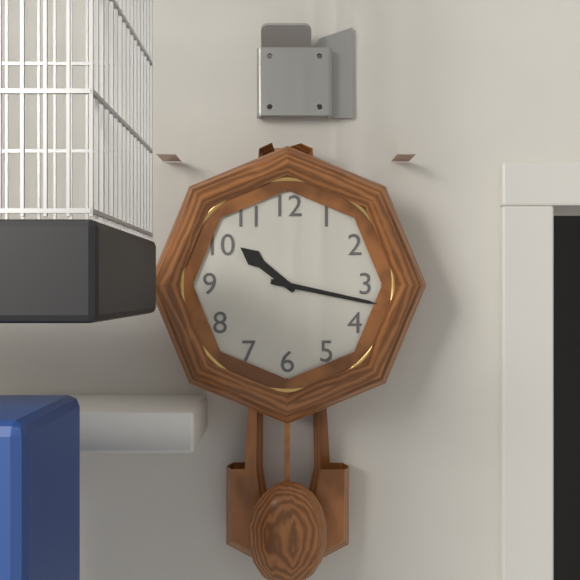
10h17
